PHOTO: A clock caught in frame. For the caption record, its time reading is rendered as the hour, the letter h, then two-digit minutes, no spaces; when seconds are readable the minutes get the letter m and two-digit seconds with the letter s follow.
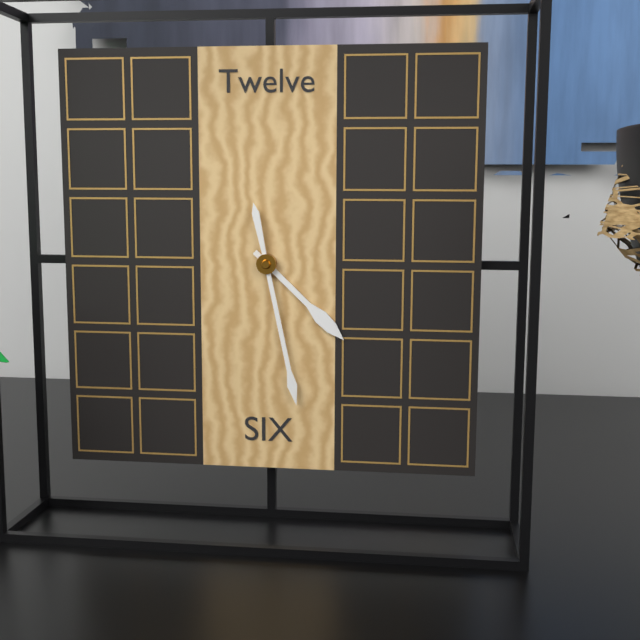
4h28
